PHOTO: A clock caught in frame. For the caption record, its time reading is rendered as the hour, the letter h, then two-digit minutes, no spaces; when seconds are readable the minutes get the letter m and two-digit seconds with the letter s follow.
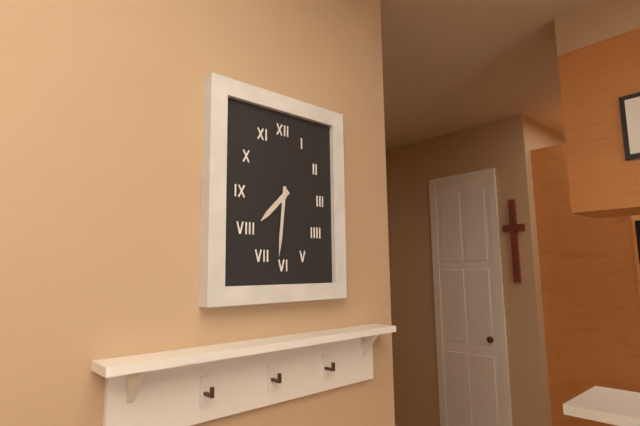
7h31
